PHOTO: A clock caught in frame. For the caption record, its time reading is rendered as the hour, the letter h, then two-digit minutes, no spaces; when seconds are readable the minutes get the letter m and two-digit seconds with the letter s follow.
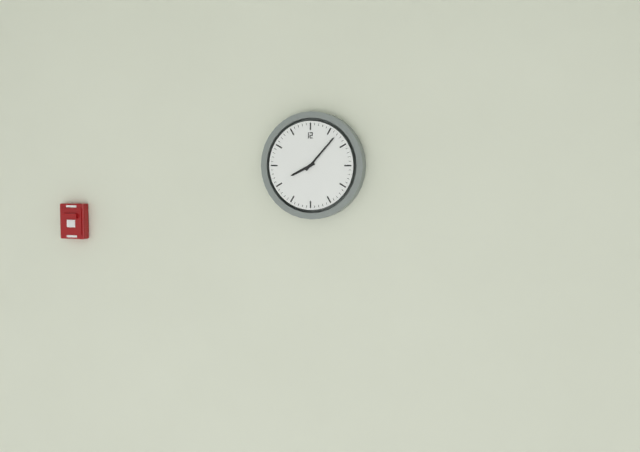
8h07
